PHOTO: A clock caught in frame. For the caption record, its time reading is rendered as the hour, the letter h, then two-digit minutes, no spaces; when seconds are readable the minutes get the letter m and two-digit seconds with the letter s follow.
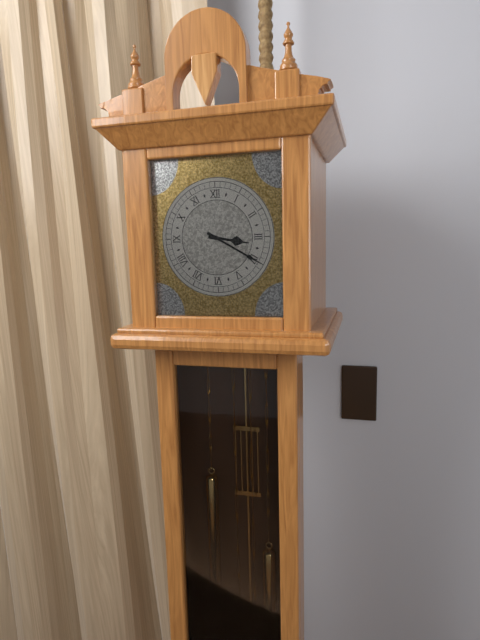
3h20
